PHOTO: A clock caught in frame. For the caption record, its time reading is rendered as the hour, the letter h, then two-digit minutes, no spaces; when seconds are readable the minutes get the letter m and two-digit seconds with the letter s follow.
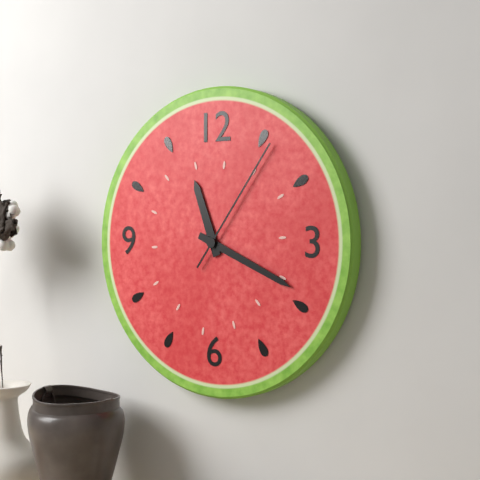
11h19m06s
